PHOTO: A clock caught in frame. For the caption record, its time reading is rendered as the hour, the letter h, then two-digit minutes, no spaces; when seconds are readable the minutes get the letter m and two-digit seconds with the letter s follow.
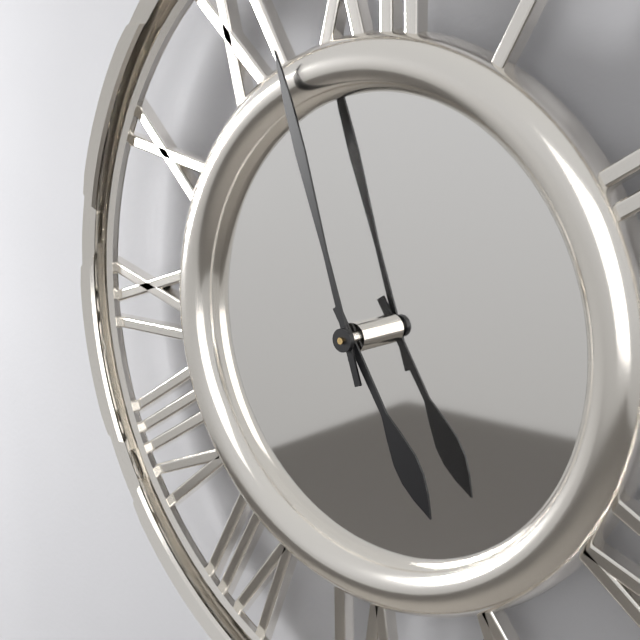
4h57
